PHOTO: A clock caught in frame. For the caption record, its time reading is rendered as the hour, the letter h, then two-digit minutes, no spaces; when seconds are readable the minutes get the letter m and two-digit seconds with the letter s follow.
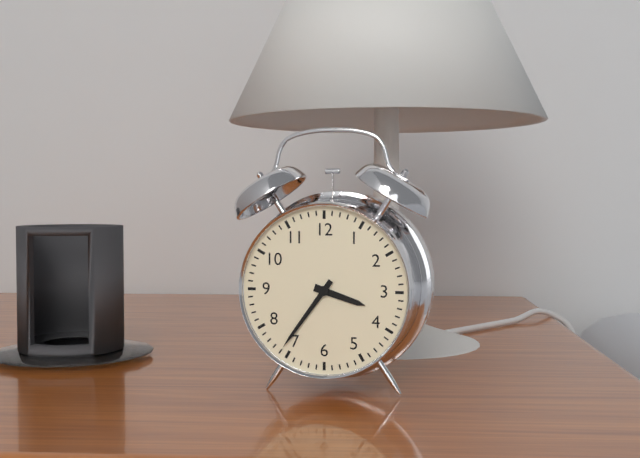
3h36
